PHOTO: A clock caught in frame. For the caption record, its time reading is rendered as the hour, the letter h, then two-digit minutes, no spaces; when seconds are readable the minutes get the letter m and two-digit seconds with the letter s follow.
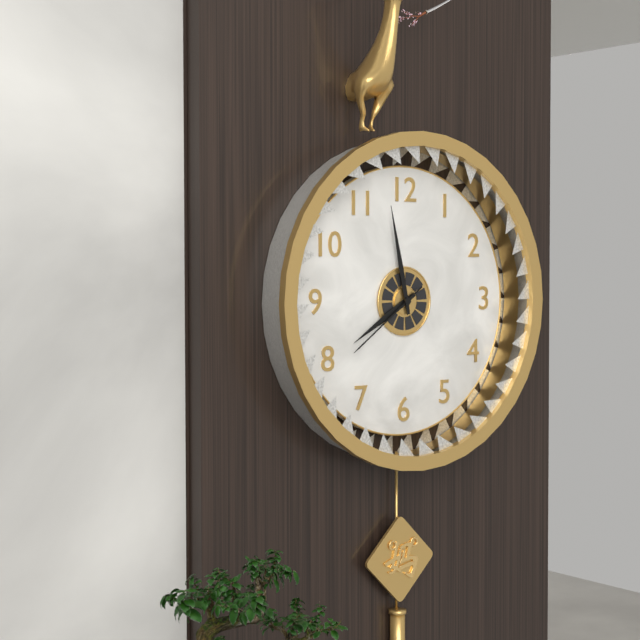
7h58m39s
